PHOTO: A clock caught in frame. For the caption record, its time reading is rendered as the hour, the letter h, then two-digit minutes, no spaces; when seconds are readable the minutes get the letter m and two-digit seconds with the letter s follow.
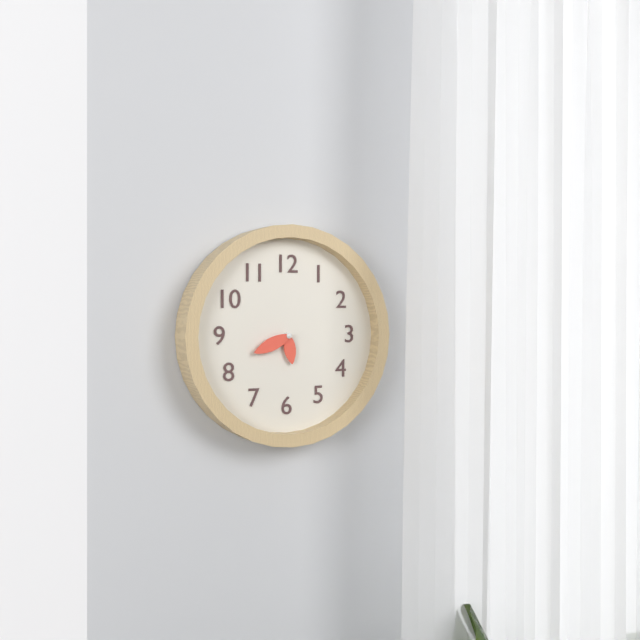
5h41
